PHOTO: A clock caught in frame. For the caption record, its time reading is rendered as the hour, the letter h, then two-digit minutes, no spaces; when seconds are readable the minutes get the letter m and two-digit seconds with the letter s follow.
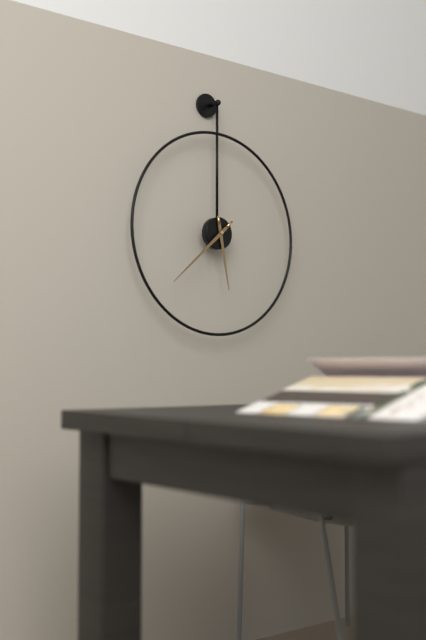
5h38
